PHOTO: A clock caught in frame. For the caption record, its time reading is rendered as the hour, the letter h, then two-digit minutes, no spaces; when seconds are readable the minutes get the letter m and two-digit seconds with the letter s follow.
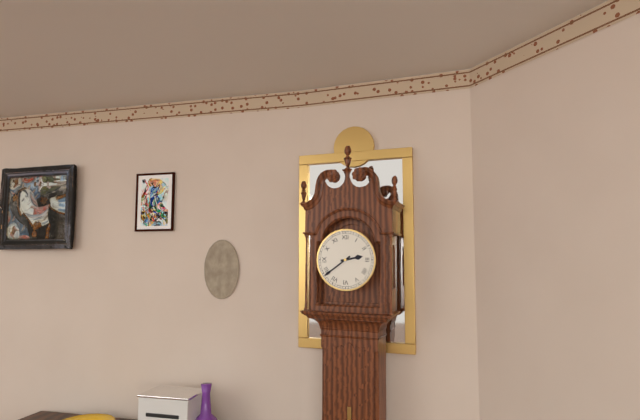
2h39
